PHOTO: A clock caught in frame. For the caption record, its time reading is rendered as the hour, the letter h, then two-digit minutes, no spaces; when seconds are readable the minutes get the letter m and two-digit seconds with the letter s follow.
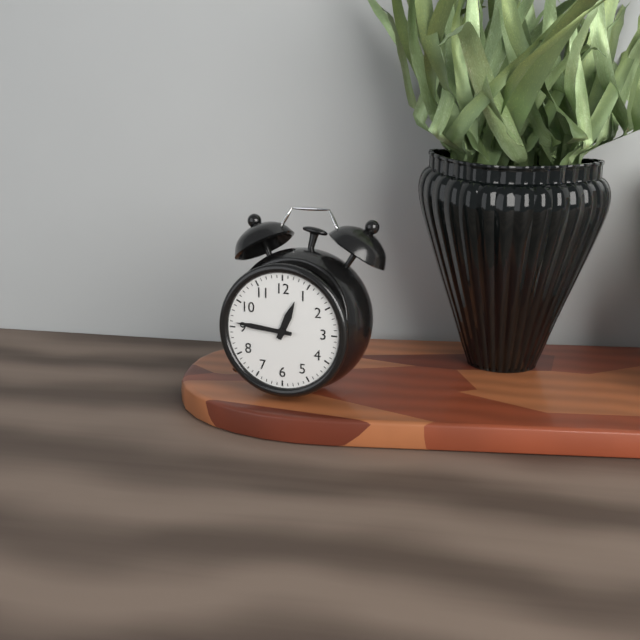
12h46
